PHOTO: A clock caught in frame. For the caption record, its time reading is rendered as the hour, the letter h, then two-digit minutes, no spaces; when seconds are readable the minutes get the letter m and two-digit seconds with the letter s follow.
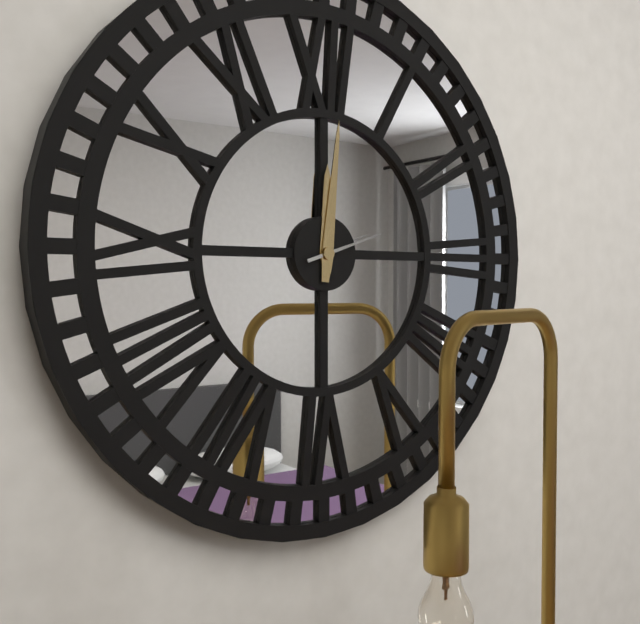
12h01m12s
